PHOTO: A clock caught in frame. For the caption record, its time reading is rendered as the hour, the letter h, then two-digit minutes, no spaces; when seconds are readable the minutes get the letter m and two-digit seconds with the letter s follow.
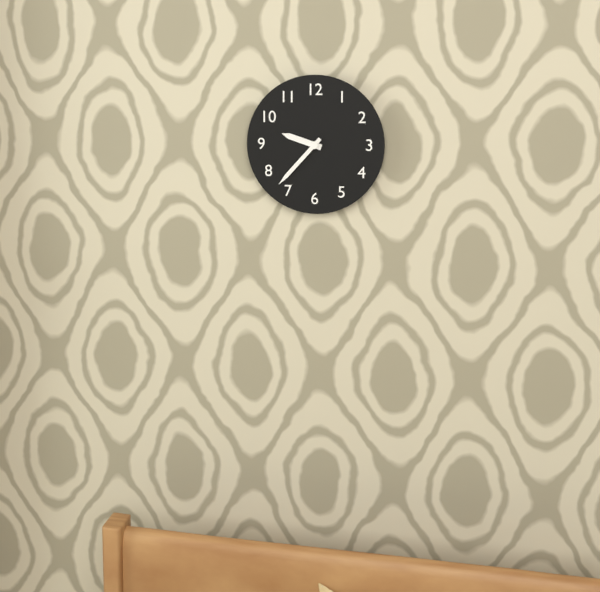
9h37
